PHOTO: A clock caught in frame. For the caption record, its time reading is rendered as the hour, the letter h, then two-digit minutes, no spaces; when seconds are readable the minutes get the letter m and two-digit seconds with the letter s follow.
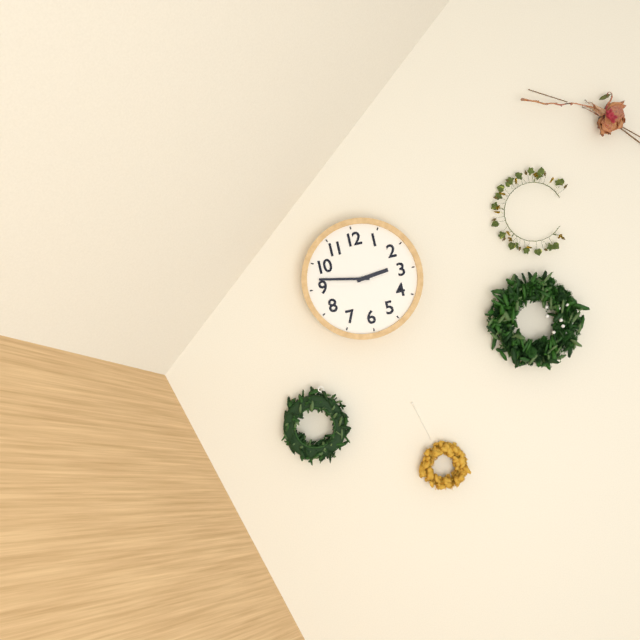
2h47
